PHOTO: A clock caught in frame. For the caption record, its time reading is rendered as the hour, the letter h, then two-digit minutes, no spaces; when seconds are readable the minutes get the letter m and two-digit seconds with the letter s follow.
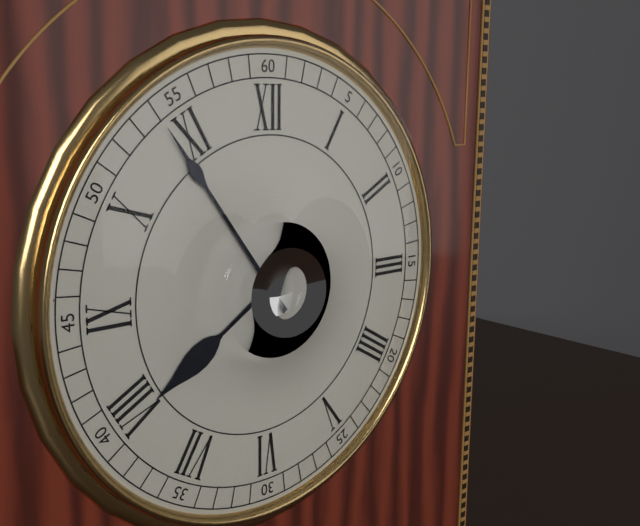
7h54
